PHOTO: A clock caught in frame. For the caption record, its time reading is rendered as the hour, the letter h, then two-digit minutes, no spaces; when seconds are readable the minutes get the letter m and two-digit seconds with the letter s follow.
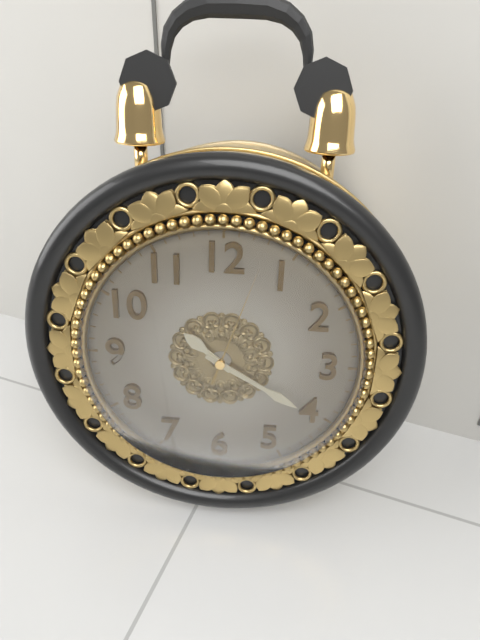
10h20m03s
